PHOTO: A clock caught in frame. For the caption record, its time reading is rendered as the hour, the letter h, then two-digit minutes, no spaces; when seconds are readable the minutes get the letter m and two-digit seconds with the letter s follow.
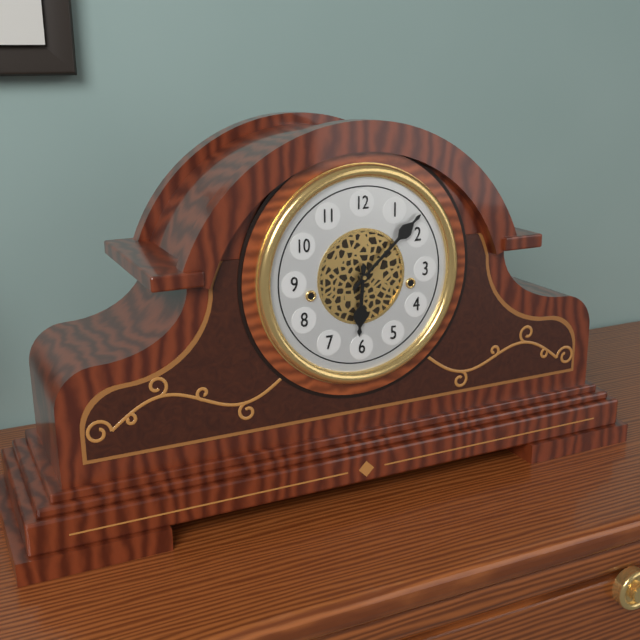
6h08
